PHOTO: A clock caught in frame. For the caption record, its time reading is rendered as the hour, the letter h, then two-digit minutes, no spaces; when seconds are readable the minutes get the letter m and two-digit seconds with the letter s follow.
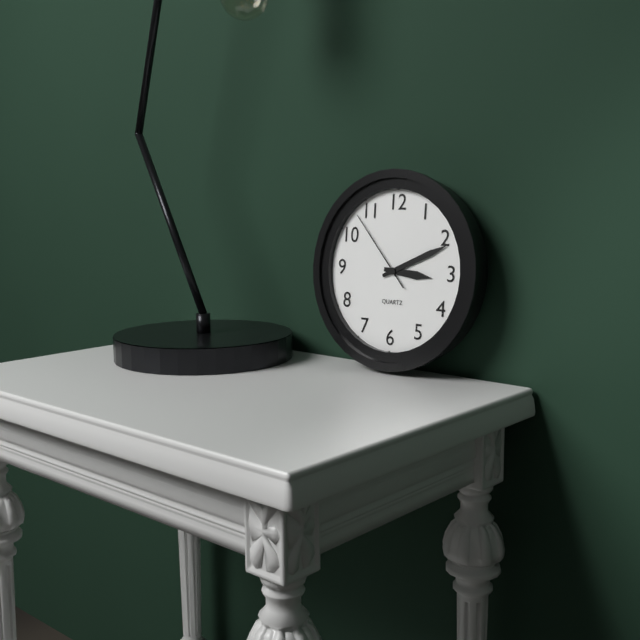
3h11m53s
